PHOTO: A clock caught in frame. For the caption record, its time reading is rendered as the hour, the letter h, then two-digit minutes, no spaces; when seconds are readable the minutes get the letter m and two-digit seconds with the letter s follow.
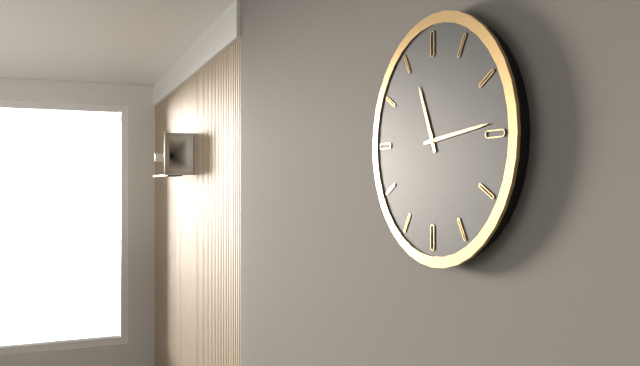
11h14
